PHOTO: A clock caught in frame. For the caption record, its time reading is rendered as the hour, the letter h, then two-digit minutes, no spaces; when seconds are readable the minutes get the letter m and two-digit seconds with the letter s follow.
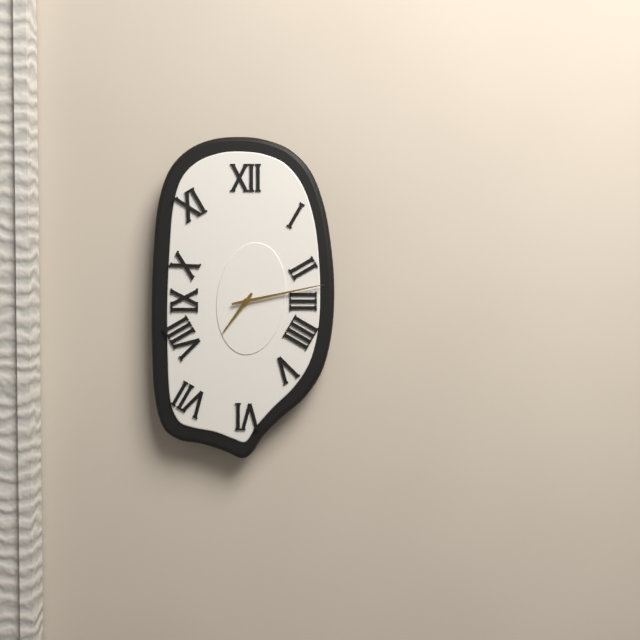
7h13
